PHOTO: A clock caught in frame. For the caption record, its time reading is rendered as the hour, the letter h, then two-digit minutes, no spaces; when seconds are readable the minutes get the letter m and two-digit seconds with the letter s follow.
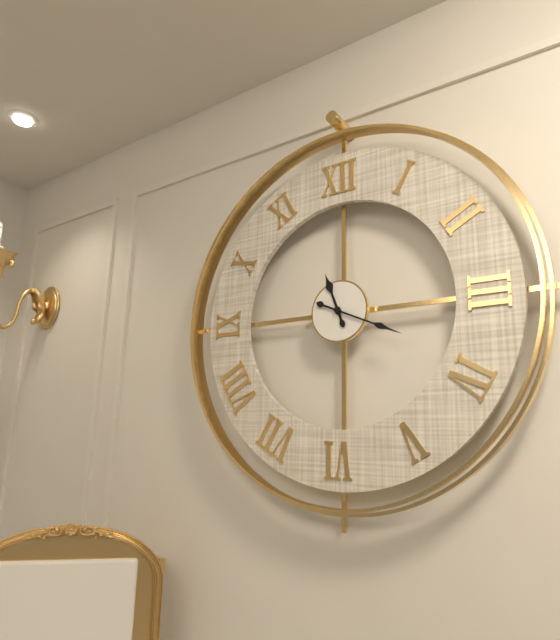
11h19
